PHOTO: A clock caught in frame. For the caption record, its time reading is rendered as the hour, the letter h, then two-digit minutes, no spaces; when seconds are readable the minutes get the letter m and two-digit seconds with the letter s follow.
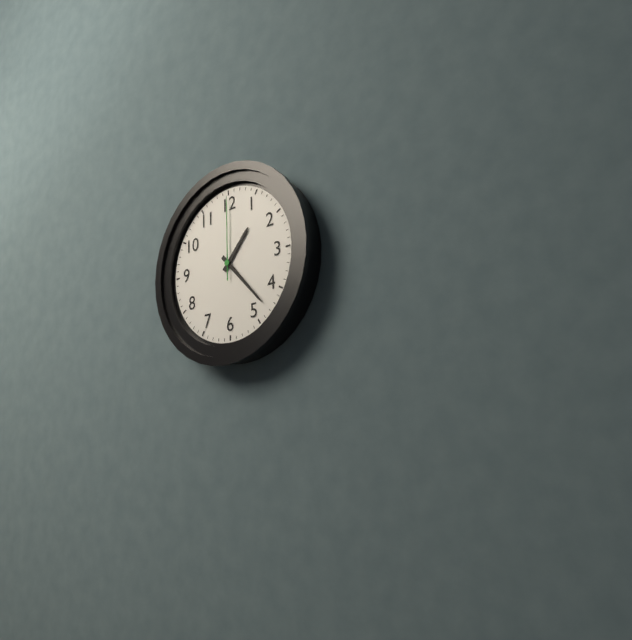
1h23m00s
